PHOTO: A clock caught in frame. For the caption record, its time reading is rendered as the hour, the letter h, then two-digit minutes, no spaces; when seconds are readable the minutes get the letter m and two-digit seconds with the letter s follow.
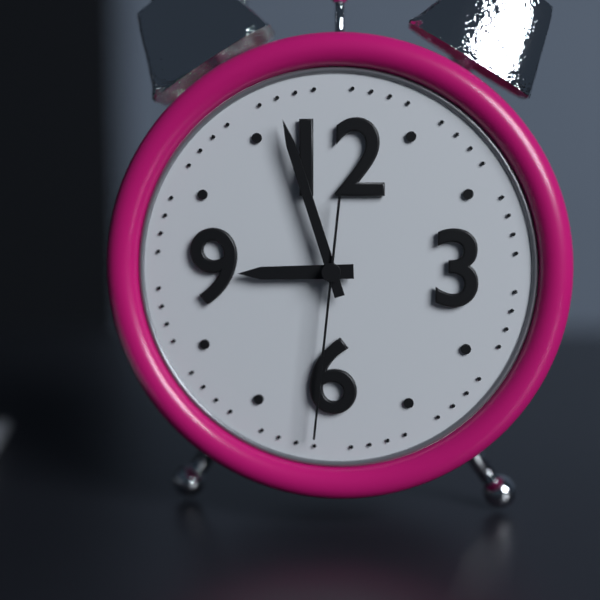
8h57m31s
